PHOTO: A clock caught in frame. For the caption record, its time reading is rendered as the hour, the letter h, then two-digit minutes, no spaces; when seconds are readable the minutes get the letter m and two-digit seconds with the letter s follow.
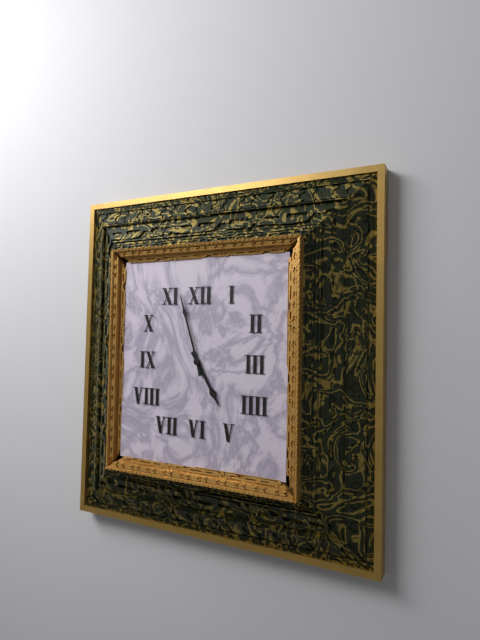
4h57
